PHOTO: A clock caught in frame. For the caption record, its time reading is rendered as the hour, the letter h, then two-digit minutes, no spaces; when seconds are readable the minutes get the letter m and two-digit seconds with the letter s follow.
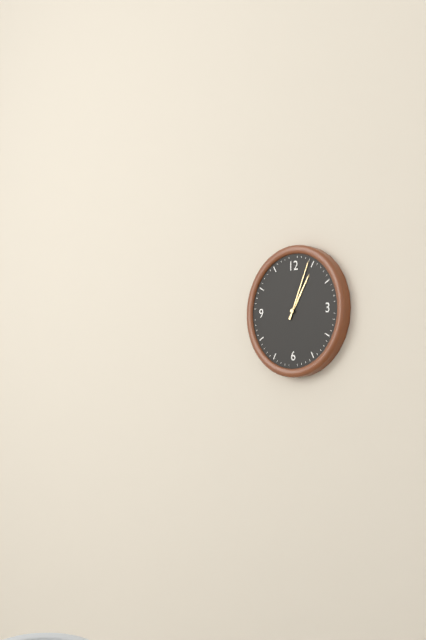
1h04
